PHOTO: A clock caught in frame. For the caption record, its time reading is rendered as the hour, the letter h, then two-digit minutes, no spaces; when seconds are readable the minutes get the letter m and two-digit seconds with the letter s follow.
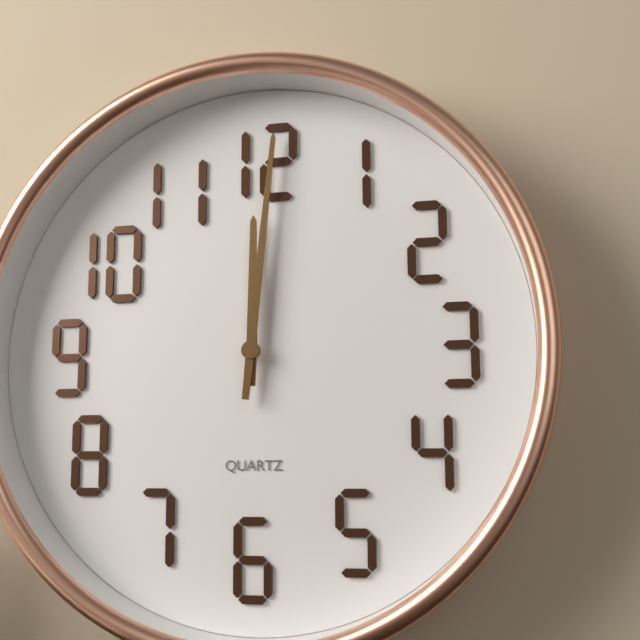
12h01
